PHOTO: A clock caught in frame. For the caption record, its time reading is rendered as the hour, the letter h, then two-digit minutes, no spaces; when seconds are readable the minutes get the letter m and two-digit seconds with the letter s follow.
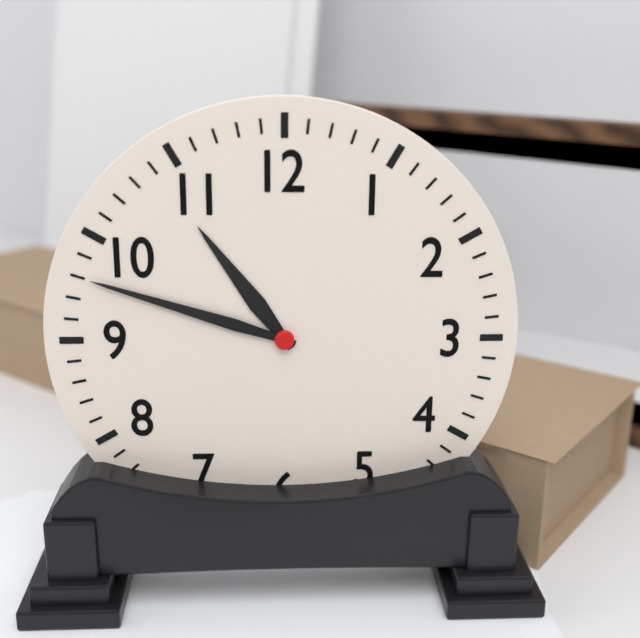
10h48
